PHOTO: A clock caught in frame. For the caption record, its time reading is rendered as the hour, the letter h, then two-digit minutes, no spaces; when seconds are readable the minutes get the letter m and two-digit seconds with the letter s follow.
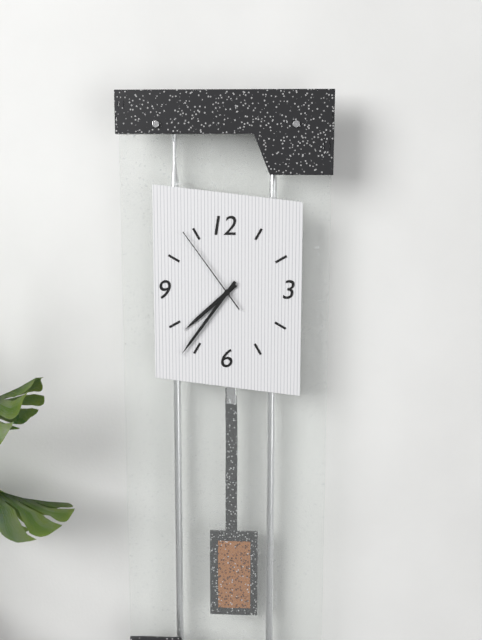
7h36m54s
